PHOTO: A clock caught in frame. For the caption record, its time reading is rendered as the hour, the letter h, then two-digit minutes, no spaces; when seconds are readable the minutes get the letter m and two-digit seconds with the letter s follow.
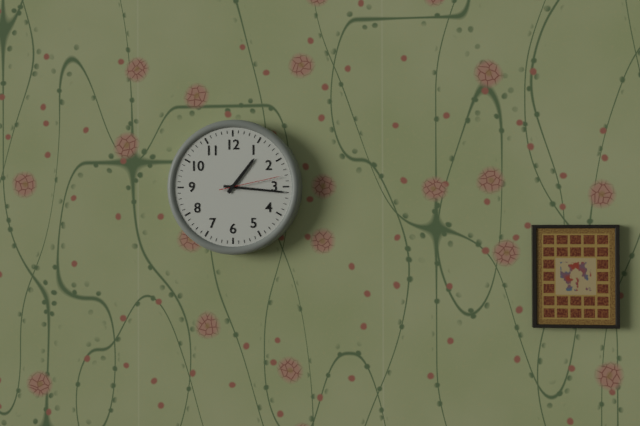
1h16m13s
